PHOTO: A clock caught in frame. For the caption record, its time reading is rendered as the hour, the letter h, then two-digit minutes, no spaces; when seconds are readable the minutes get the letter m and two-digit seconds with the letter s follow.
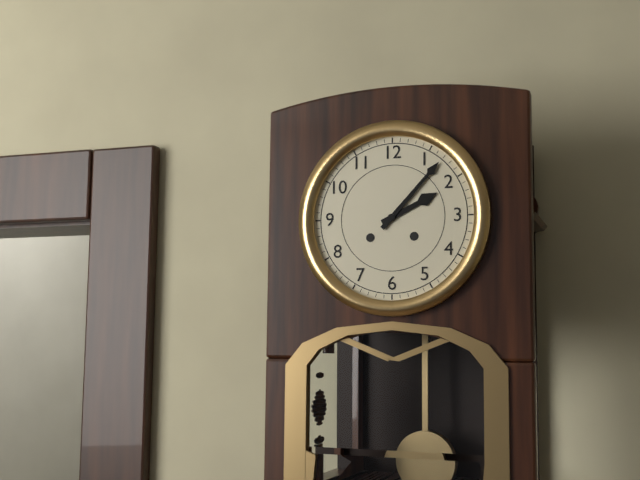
2h07
